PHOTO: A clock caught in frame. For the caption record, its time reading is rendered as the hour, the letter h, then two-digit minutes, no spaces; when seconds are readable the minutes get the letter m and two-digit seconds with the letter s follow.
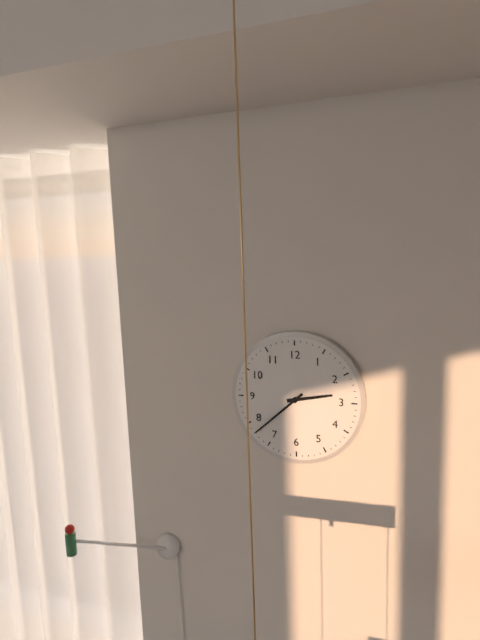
2h38
